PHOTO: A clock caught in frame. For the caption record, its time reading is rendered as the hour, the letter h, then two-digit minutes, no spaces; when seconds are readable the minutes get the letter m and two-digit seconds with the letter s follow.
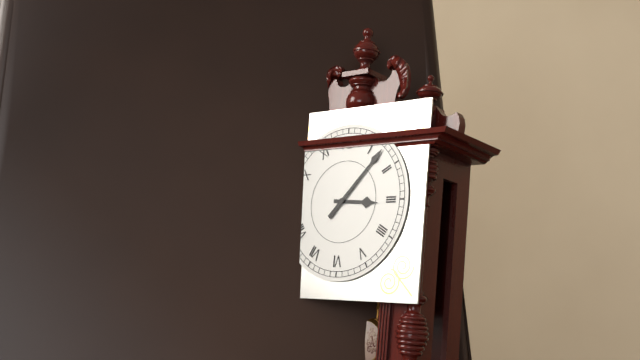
3h07
